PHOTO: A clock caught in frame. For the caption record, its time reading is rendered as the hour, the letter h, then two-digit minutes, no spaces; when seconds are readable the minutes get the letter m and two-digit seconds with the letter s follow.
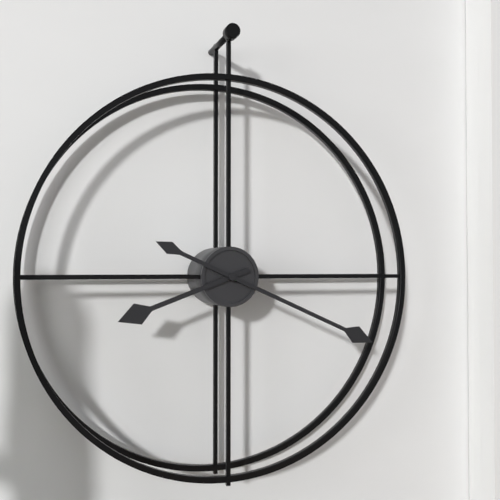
8h19
